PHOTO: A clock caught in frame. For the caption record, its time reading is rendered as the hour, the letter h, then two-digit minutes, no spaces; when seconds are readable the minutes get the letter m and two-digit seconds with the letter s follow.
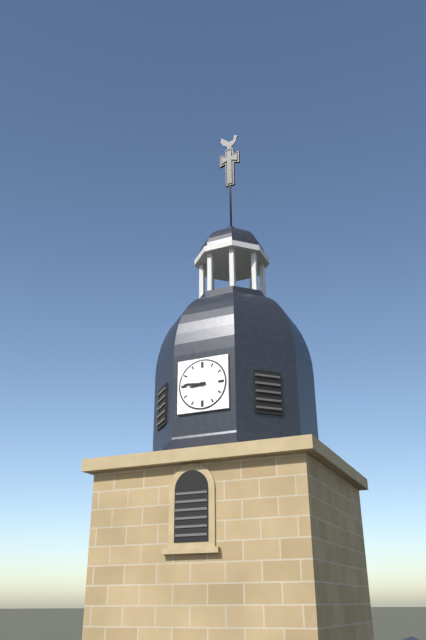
8h46
